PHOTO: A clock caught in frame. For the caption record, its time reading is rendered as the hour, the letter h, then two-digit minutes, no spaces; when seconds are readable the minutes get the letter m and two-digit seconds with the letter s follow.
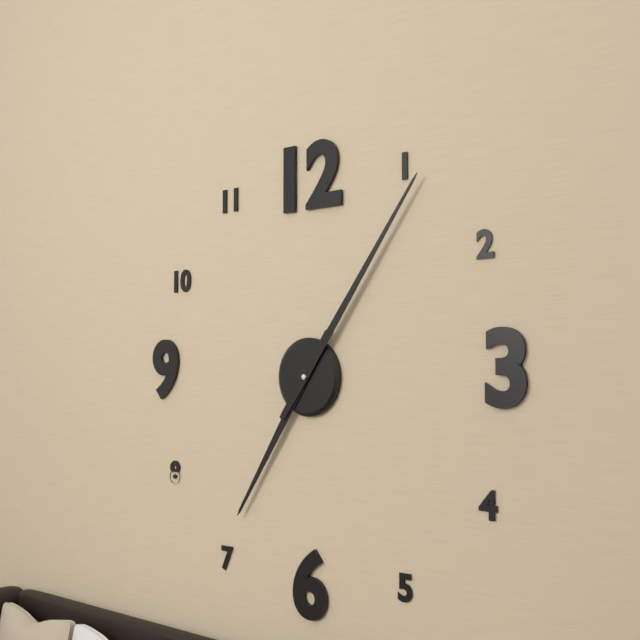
7h06
